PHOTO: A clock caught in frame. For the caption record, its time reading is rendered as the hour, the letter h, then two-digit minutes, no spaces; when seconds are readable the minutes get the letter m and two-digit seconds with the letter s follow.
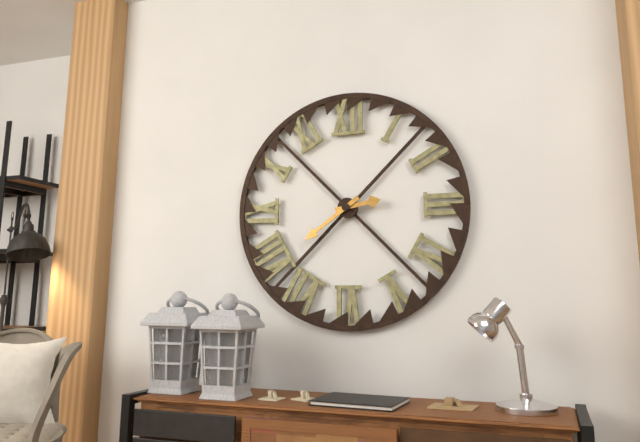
2h39
